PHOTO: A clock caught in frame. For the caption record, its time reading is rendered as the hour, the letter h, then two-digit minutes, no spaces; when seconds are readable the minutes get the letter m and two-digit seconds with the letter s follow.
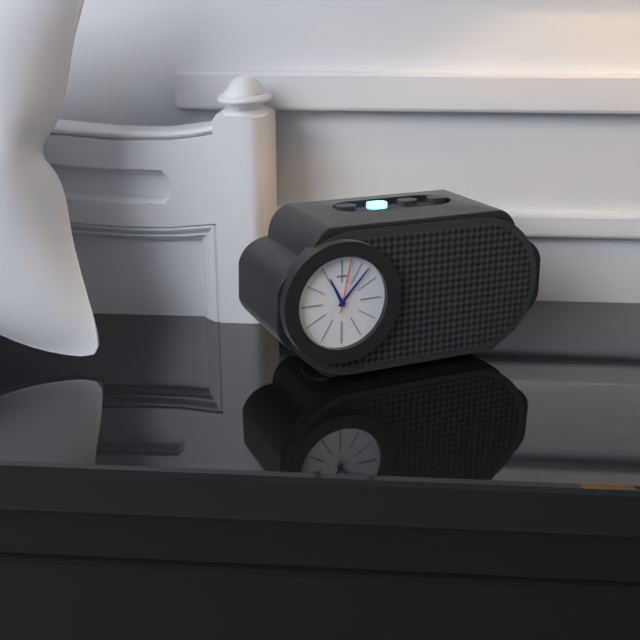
11h07m02s
